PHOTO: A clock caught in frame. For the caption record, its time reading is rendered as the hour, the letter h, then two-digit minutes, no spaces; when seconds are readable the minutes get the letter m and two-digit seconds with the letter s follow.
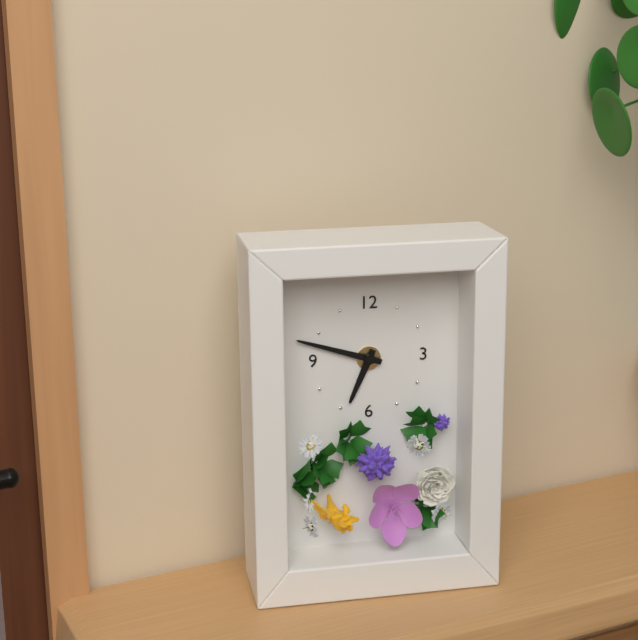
6h48
